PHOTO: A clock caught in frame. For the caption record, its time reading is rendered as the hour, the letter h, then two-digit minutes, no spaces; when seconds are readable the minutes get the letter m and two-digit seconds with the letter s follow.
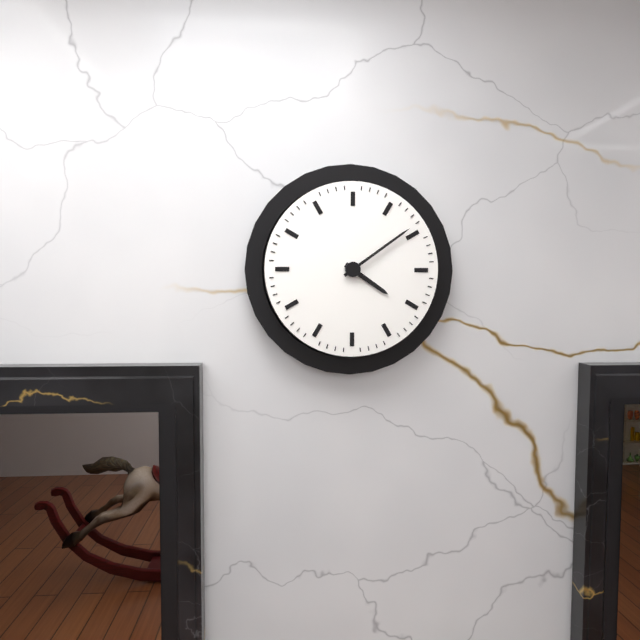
4h09
